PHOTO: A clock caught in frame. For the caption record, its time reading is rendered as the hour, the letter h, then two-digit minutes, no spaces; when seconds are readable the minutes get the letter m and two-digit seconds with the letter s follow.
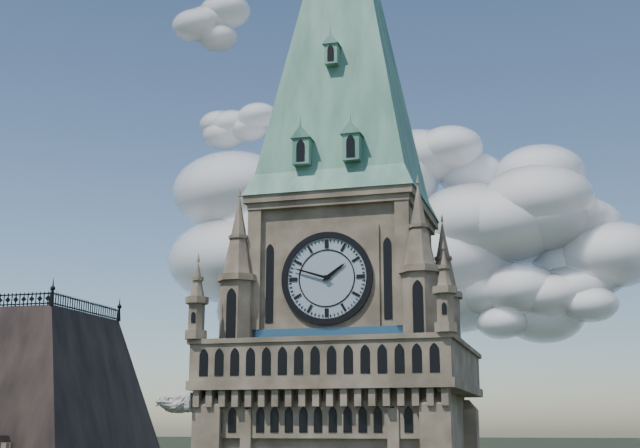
1h48
